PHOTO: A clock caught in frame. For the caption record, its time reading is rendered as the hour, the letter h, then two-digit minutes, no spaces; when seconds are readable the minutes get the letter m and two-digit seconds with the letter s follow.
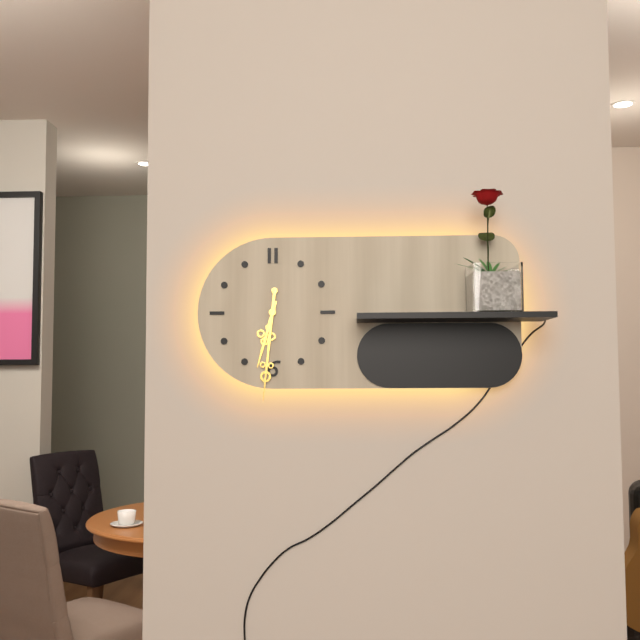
6h31
